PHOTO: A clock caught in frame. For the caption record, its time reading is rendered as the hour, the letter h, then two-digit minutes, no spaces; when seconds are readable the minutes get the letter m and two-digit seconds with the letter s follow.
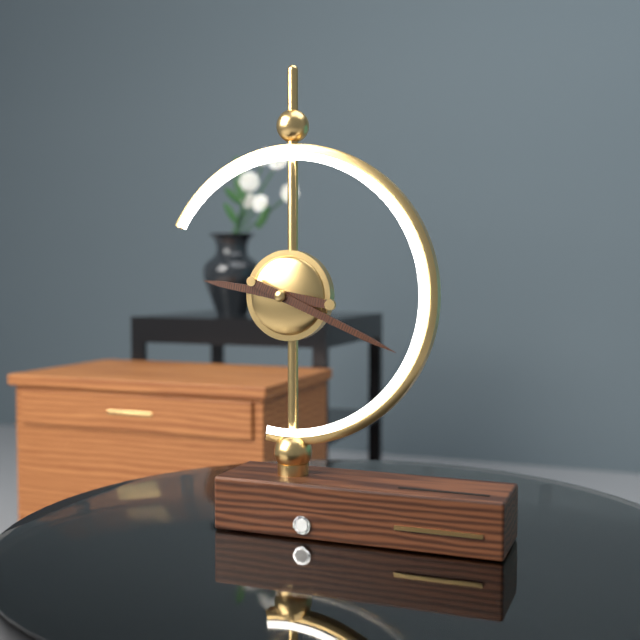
9h19
